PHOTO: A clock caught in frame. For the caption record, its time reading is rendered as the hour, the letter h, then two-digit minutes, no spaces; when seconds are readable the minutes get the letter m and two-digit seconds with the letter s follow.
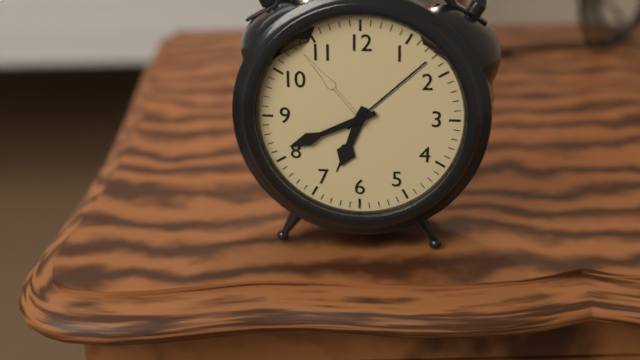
6h41
